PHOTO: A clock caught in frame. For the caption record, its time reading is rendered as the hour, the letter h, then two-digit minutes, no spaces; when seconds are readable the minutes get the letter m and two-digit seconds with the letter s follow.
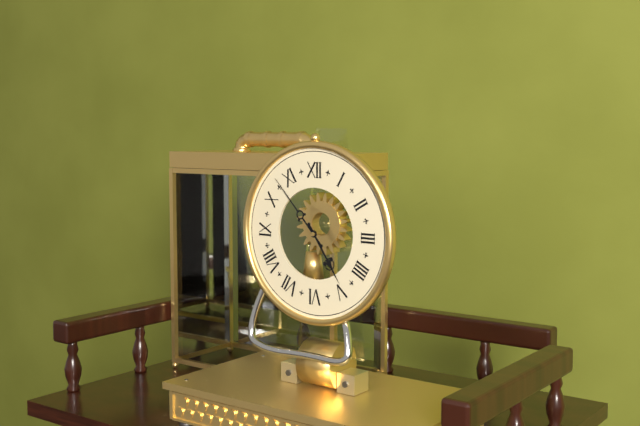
4h53
